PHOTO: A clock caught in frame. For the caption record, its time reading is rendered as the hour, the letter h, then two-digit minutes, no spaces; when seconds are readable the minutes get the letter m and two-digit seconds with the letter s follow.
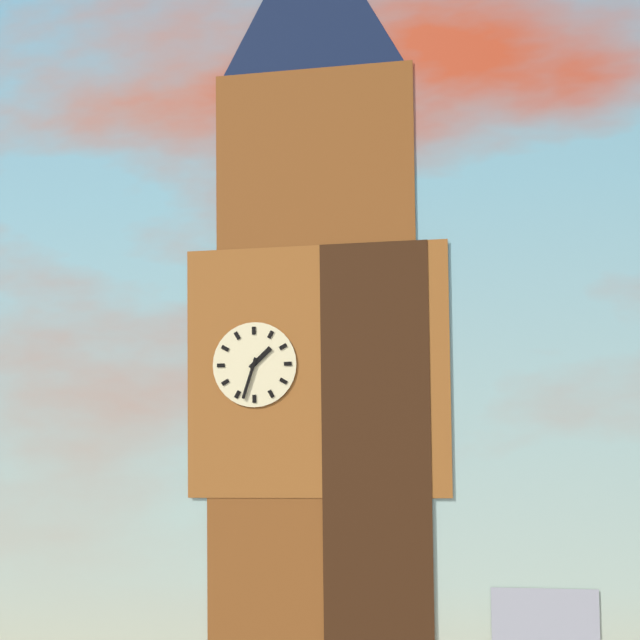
1h33
